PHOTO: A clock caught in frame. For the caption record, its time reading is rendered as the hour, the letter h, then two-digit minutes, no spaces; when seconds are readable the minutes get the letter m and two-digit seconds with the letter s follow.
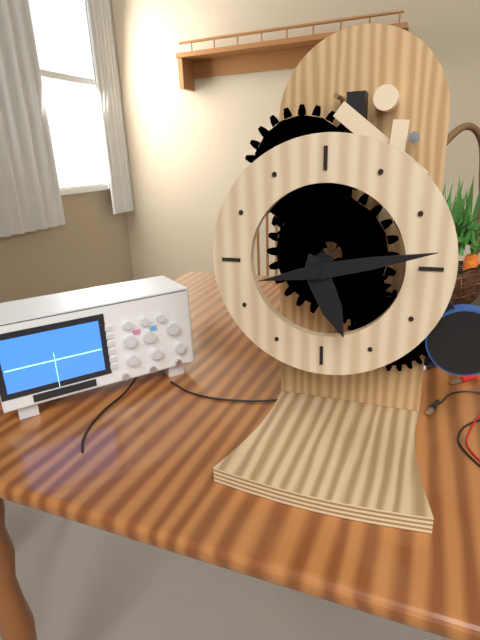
5h13
